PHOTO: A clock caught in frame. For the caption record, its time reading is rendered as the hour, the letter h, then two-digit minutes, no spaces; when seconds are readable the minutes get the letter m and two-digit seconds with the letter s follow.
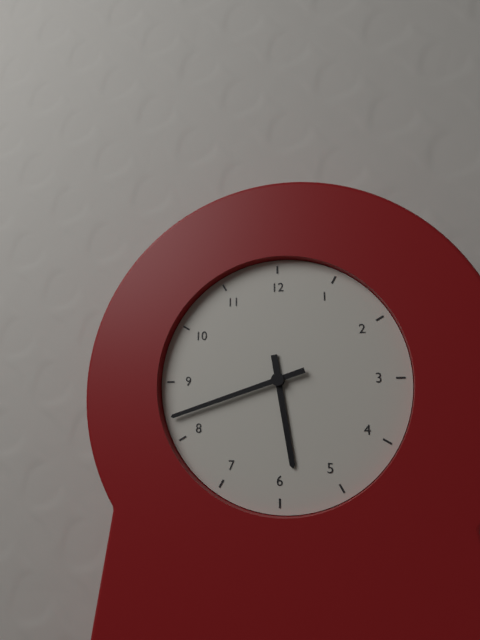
5h42
